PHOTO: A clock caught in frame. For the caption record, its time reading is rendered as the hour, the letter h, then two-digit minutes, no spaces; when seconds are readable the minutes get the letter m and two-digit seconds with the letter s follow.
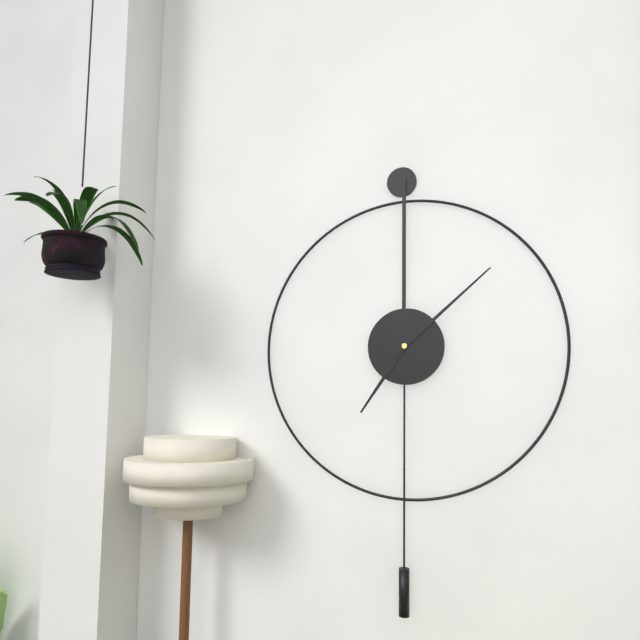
7h08
